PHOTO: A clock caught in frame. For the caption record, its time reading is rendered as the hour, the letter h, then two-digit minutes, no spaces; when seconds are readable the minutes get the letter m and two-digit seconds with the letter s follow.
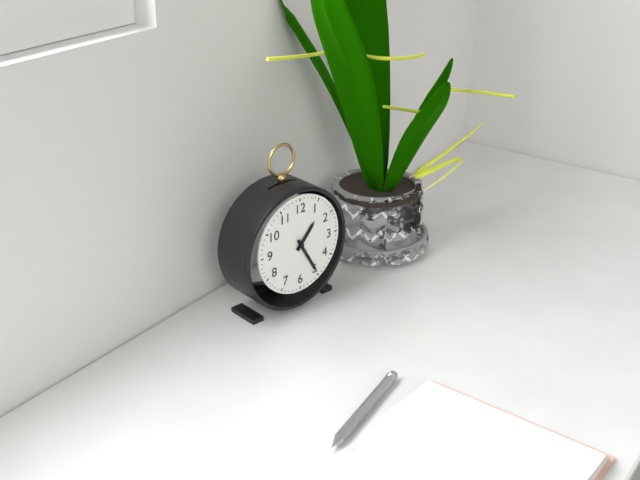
1h25
